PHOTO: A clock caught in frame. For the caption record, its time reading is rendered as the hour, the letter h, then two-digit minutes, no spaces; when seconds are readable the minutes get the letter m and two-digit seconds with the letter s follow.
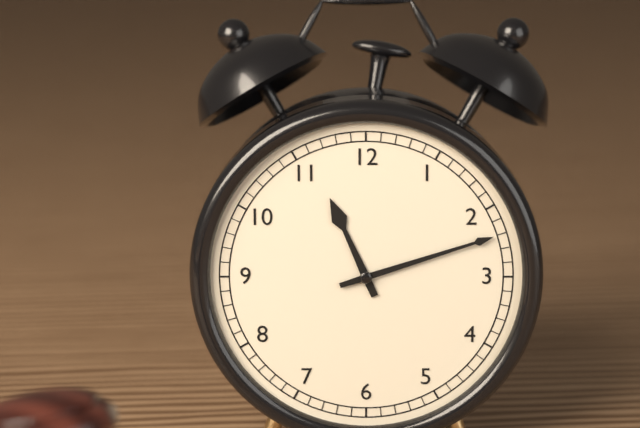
11h12
